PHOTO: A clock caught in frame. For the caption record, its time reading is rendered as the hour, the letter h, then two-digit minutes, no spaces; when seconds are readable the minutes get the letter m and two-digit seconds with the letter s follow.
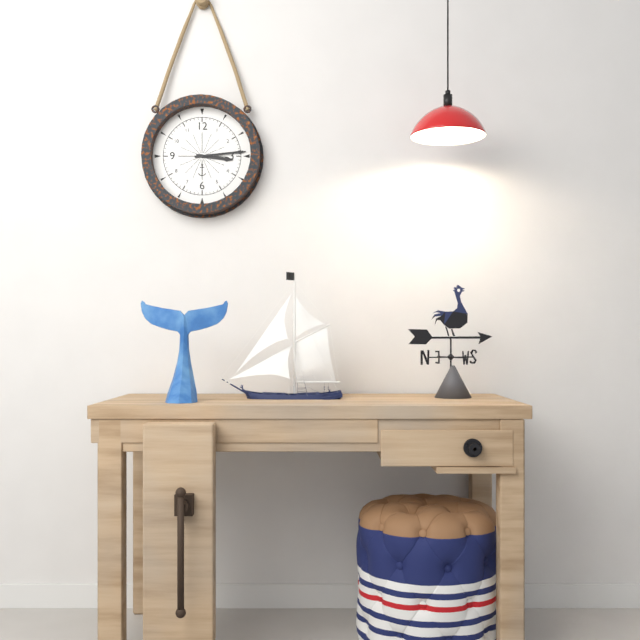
3h14
